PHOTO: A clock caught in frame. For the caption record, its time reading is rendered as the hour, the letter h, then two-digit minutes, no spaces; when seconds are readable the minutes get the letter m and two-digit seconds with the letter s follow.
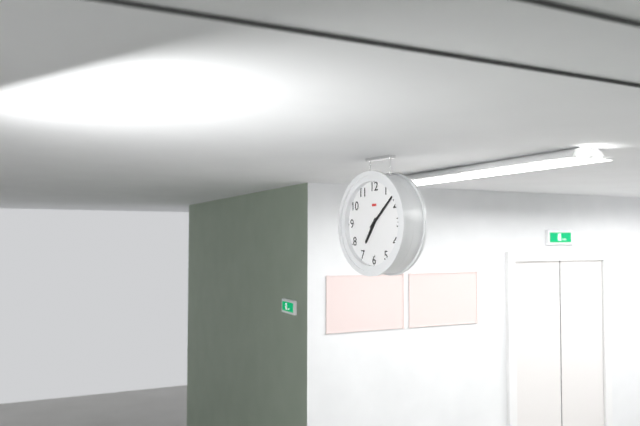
7h08
